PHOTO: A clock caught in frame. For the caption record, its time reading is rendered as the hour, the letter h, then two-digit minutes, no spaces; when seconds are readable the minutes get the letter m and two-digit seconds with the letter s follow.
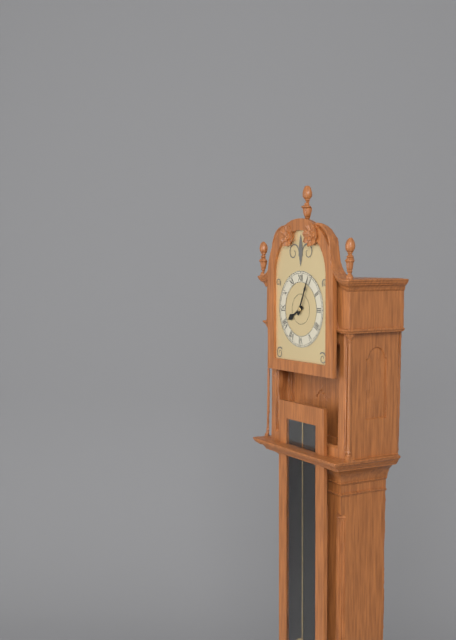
8h04
